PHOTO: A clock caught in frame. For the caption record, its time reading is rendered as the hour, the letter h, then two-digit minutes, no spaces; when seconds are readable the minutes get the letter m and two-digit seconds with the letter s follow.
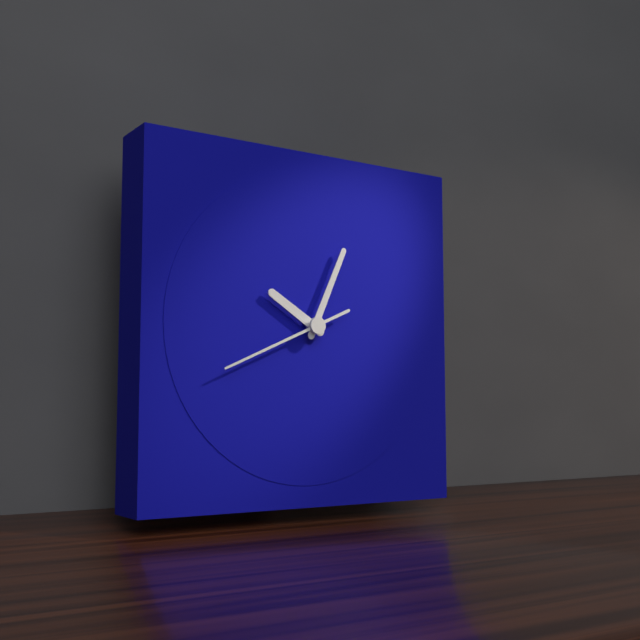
10h04m41s
